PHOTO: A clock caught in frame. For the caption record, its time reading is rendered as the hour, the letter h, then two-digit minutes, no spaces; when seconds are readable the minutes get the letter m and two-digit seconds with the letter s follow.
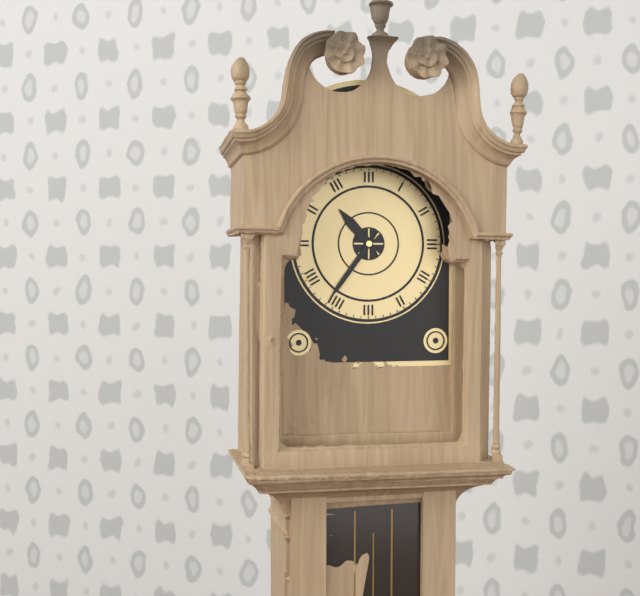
10h36
